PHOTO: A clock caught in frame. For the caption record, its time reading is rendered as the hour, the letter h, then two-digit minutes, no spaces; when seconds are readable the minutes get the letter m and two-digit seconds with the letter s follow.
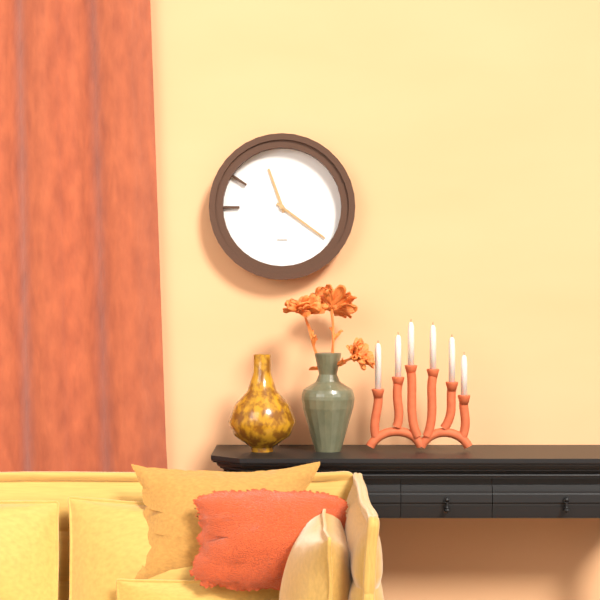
11h21
